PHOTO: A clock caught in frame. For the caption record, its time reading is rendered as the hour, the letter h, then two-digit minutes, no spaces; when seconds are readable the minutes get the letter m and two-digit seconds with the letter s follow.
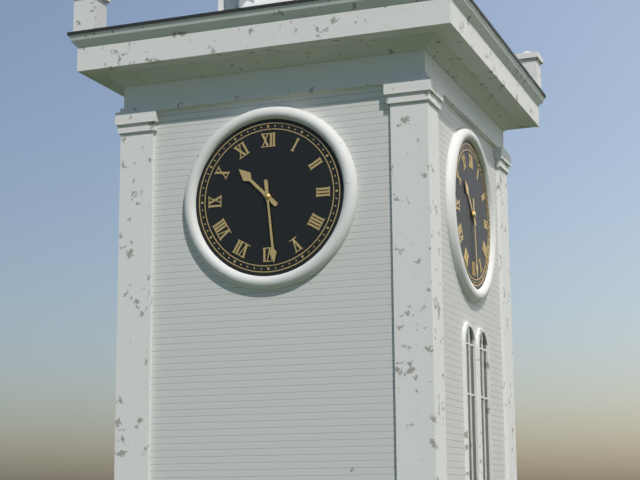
10h29
